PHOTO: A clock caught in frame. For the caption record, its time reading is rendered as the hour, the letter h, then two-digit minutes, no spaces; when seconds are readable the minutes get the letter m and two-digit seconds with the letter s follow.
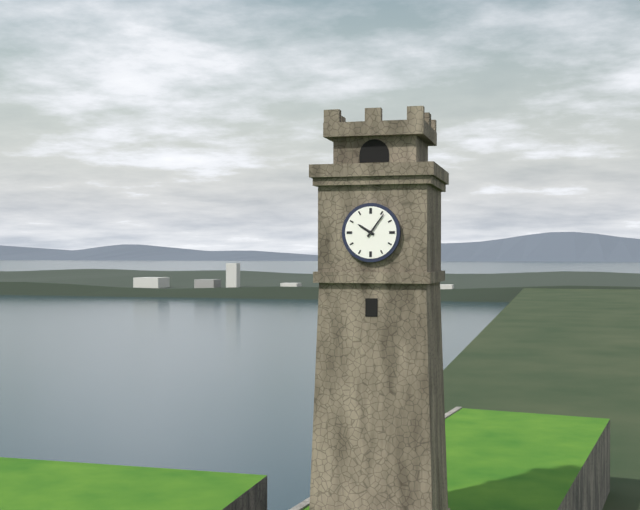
10h06
